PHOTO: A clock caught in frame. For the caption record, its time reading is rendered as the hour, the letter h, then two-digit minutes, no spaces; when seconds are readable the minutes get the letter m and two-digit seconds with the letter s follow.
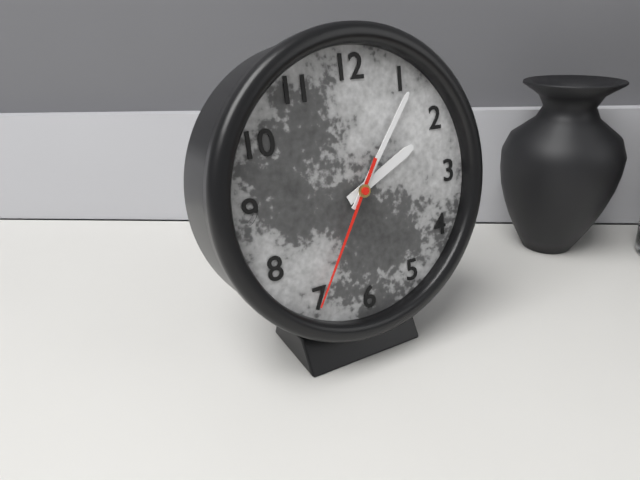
2h06m35s
